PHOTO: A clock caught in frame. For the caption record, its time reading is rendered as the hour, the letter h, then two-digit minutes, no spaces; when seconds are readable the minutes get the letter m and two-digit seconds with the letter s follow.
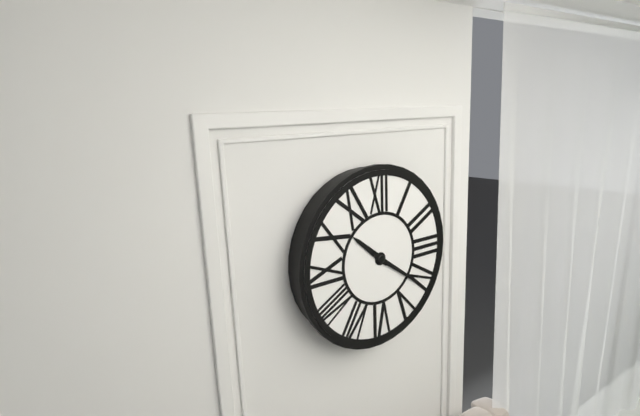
10h21
